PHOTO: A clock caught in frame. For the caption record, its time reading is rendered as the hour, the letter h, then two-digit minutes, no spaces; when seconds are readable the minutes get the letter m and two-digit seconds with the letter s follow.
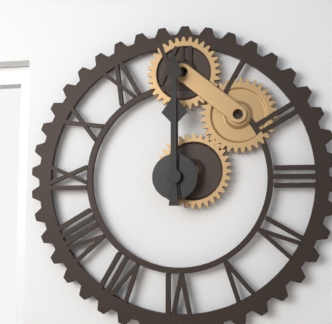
12h00
